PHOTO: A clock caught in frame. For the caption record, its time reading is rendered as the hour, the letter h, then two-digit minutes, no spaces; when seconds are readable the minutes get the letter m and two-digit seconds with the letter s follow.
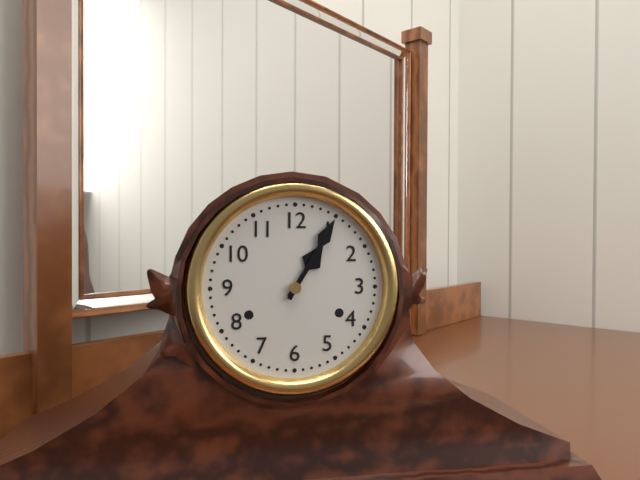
1h05
